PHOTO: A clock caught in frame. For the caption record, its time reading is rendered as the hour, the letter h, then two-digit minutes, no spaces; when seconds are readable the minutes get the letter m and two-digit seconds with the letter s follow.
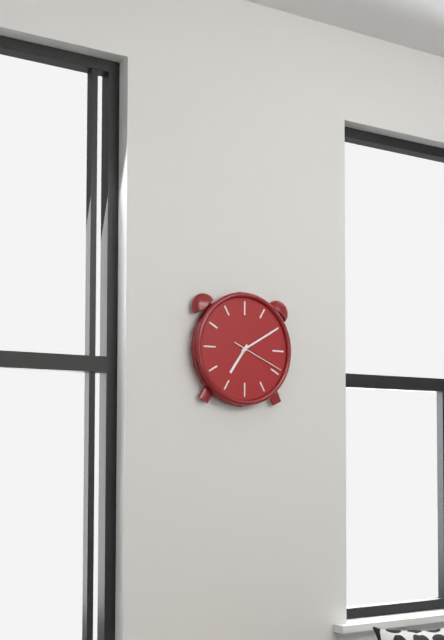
7h10m19s
